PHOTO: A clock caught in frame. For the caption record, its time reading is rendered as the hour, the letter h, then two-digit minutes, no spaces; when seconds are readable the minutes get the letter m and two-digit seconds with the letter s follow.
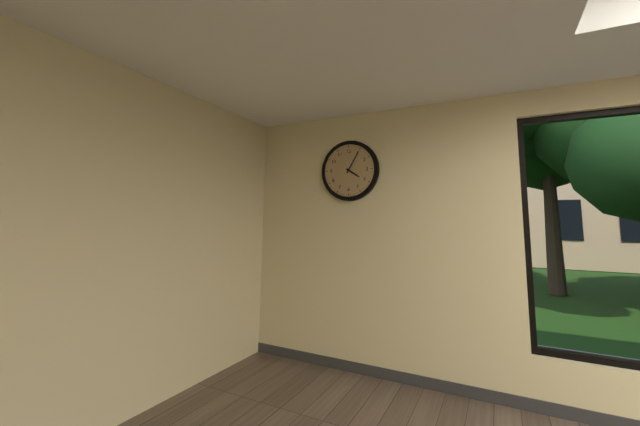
4h05
